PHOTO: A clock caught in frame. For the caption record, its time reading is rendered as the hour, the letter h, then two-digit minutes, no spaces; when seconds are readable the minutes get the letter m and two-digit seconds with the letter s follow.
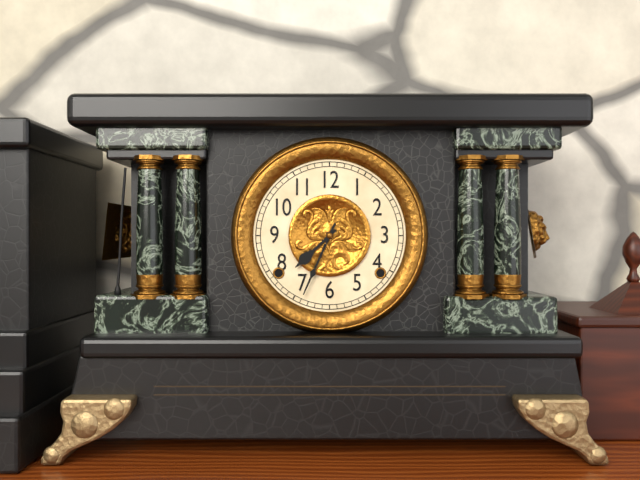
7h34
